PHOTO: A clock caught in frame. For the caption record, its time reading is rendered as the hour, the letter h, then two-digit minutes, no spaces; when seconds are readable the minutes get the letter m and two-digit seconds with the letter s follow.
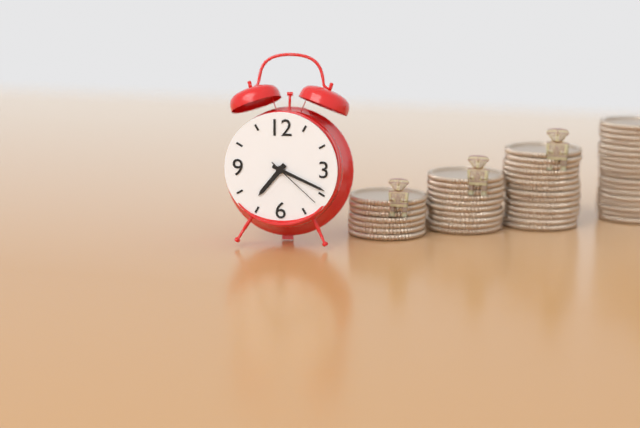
7h19m22s
